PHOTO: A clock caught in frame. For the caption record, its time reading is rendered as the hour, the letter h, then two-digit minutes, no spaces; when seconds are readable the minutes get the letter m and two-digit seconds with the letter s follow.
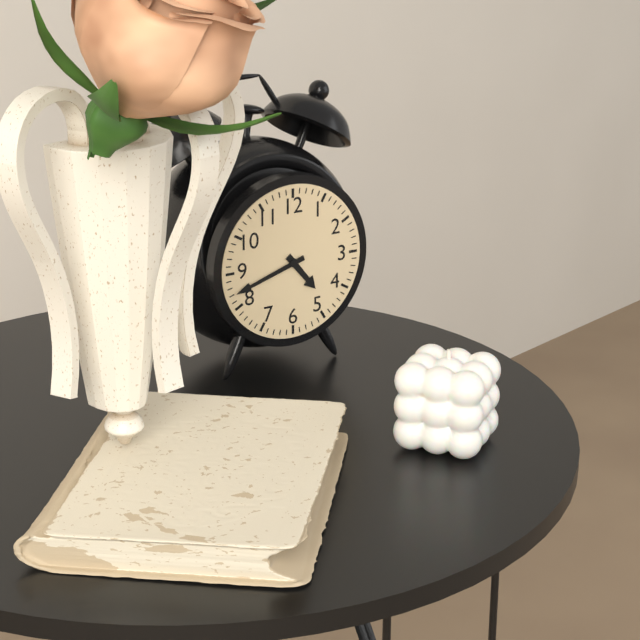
4h42
